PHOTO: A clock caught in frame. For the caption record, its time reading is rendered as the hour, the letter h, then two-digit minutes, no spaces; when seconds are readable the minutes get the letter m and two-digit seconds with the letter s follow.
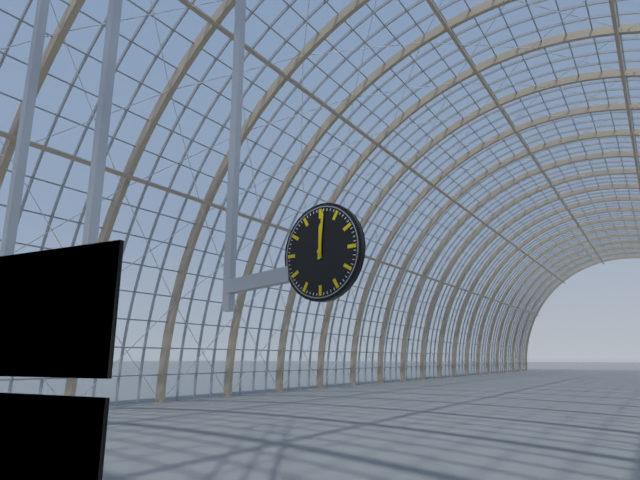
12h01
